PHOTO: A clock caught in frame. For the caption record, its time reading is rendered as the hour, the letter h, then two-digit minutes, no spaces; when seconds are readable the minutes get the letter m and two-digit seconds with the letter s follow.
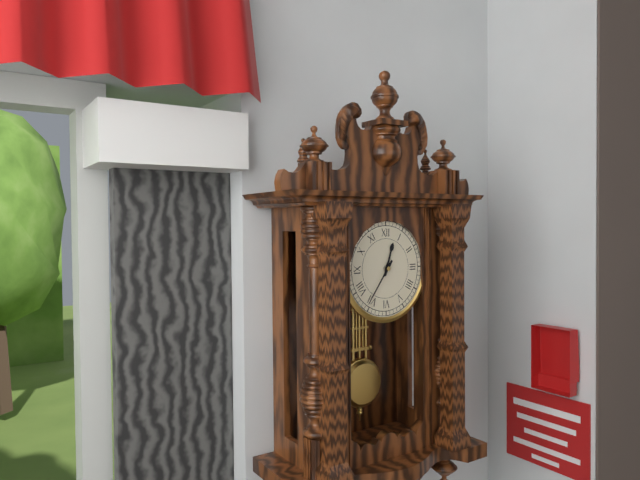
12h36
